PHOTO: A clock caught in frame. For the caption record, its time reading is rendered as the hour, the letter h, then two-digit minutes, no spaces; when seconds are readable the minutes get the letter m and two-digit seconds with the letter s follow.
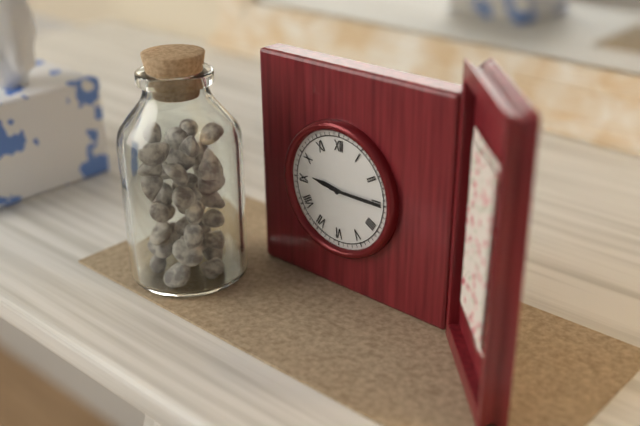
9h15
